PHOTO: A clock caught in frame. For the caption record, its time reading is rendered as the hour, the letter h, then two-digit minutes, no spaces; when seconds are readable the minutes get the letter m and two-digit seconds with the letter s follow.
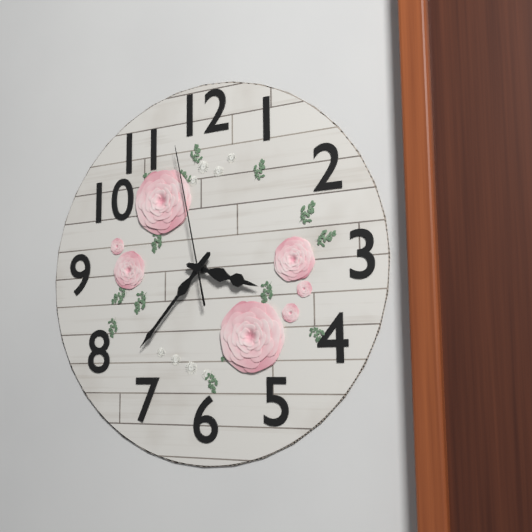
3h37m58s
